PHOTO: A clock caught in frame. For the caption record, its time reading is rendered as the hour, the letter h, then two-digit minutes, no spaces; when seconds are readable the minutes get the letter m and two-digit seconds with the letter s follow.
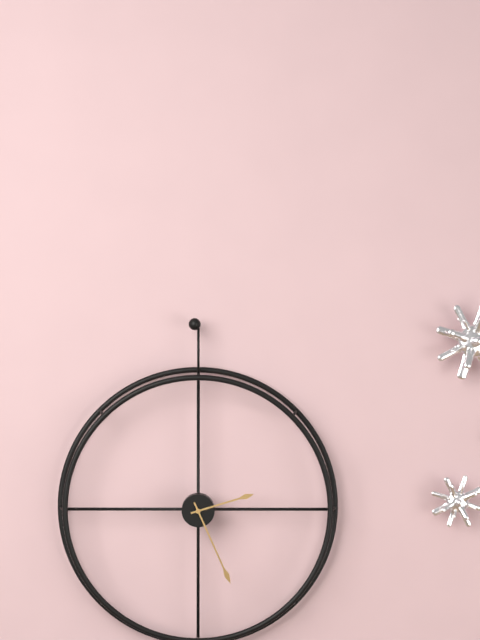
2h26
